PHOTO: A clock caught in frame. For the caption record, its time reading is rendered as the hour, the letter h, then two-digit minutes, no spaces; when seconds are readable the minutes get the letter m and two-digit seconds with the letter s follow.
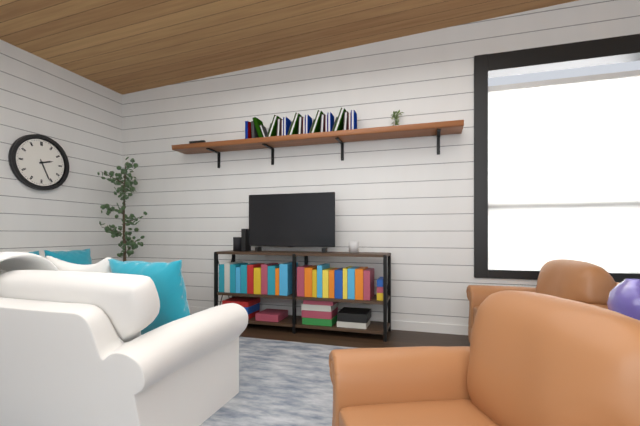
2h26
